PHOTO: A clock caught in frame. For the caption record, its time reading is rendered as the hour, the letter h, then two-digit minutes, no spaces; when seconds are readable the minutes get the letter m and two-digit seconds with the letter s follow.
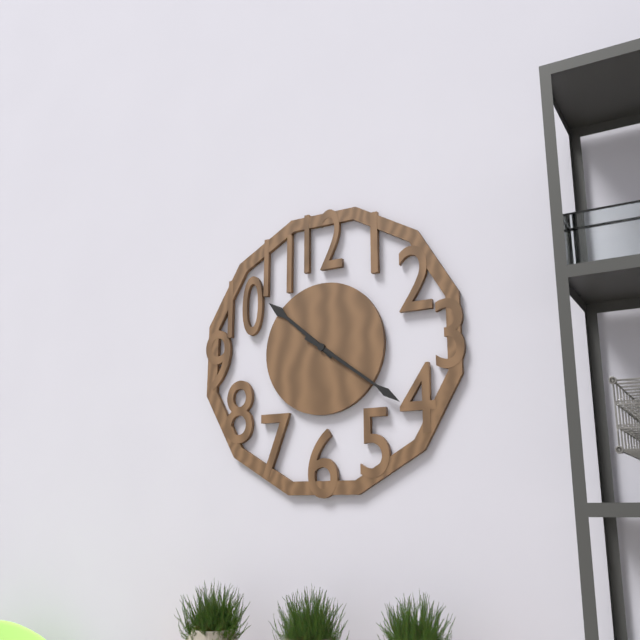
10h21
